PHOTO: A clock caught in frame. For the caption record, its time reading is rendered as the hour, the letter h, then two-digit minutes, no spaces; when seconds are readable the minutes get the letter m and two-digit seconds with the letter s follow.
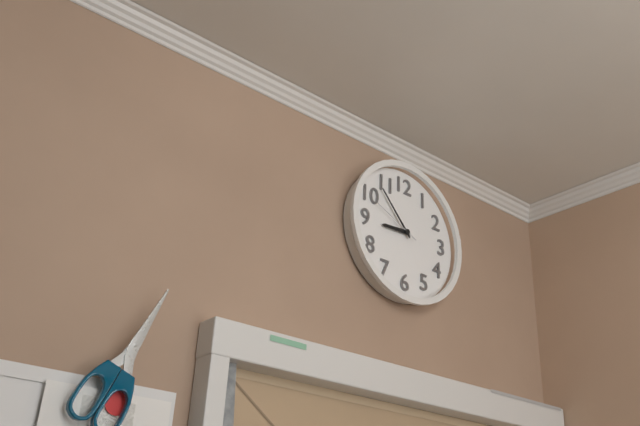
8h53m49s
